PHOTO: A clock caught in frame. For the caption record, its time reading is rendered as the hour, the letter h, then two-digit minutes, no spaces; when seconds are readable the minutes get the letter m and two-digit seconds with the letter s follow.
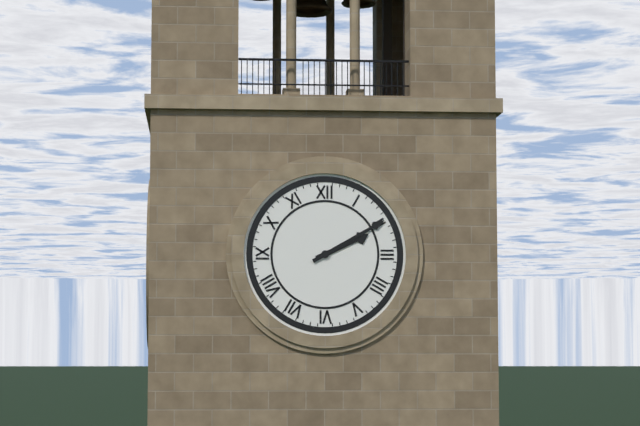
2h10
